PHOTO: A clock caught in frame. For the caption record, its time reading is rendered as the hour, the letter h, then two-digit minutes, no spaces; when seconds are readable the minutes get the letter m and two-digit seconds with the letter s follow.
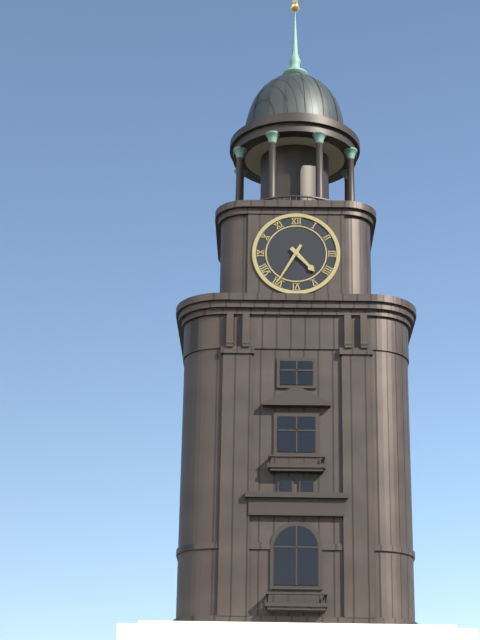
4h35
